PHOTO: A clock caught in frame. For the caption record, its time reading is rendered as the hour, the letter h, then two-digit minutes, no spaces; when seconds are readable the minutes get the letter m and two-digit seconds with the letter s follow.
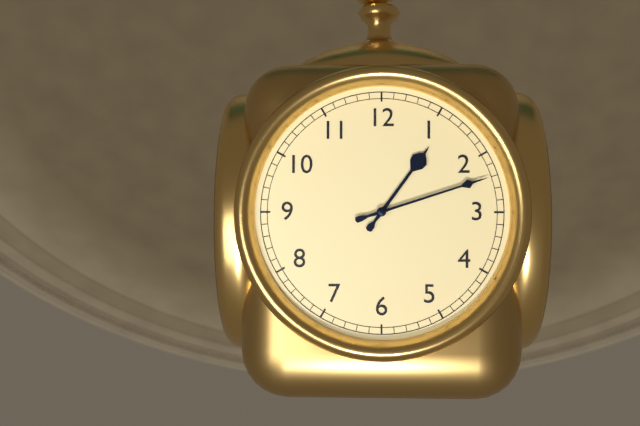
1h12
